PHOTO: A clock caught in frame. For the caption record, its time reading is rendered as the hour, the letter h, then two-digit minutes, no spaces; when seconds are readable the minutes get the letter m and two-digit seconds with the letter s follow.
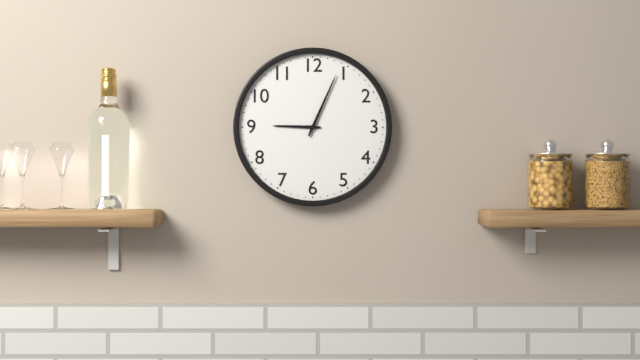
9h04
